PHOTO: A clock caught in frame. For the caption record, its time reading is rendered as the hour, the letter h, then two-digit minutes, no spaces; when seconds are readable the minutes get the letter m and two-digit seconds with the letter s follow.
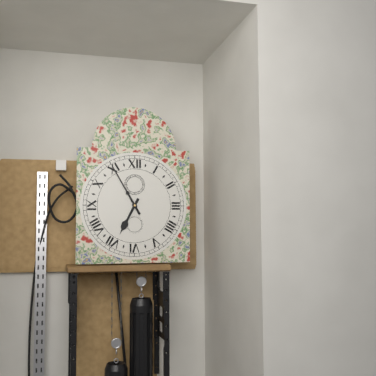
6h55
